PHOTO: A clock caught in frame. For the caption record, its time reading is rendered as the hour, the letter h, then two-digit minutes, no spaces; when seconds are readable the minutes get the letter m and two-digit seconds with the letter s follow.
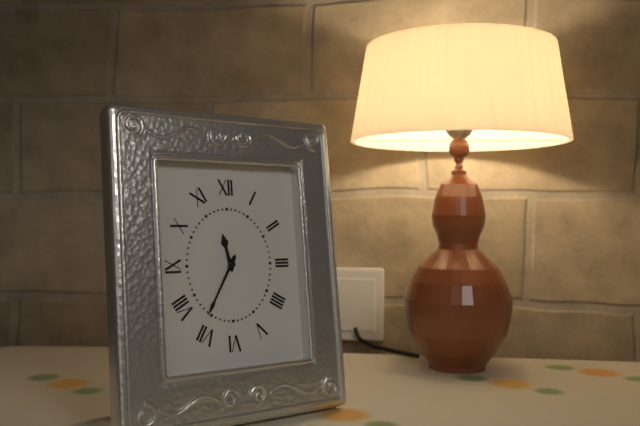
11h35
